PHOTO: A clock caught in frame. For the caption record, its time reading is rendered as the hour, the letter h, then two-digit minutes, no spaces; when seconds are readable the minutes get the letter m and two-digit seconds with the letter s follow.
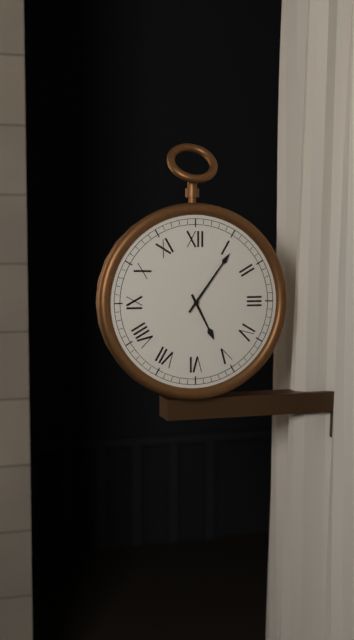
5h06
